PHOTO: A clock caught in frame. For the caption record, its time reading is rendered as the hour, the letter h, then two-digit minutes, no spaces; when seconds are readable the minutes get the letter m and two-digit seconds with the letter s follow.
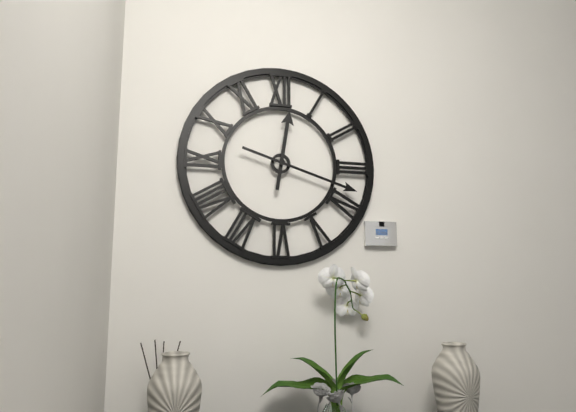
12h18
